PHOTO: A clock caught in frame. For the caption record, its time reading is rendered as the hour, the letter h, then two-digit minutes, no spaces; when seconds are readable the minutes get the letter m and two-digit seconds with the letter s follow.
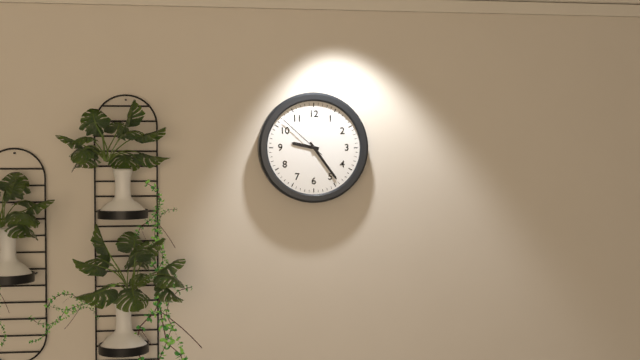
9h24m52s
